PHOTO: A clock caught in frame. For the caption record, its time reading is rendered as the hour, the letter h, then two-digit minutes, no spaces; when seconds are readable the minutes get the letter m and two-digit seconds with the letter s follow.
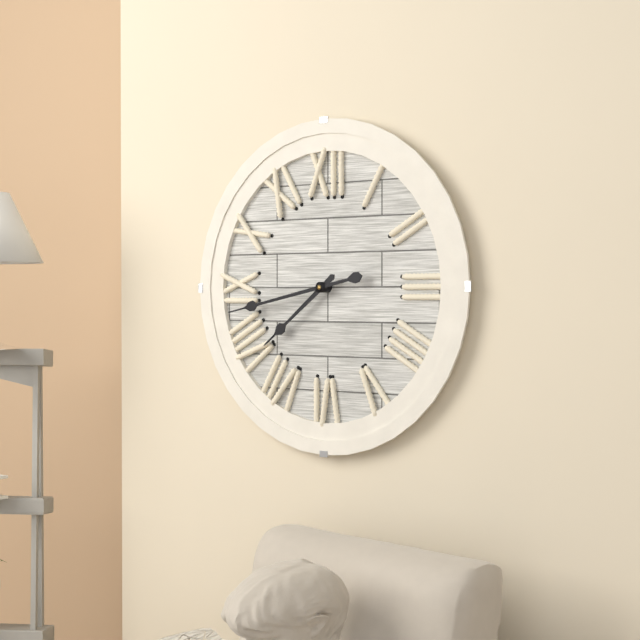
7h43
